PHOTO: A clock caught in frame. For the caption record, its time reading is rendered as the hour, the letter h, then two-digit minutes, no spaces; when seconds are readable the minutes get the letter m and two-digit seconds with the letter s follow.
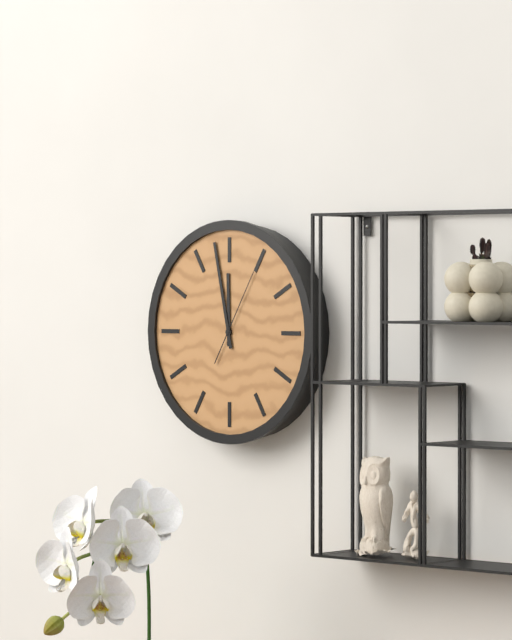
11h58m05s
